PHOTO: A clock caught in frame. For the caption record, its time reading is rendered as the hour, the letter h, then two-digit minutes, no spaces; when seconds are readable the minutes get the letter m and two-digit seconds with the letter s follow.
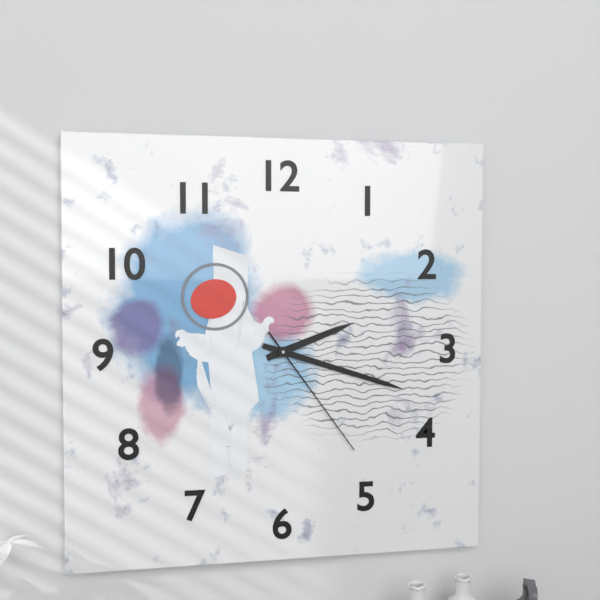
2h18m24s
